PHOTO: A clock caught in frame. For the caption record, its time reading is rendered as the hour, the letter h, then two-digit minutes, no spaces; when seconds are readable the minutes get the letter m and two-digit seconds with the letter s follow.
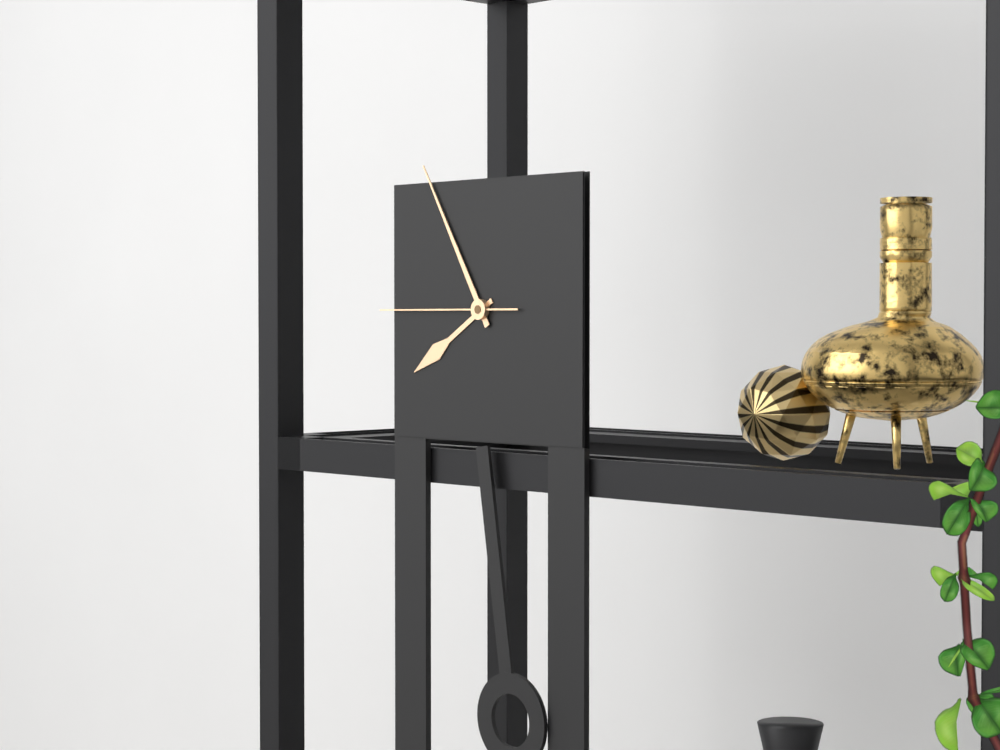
7h55m45s
